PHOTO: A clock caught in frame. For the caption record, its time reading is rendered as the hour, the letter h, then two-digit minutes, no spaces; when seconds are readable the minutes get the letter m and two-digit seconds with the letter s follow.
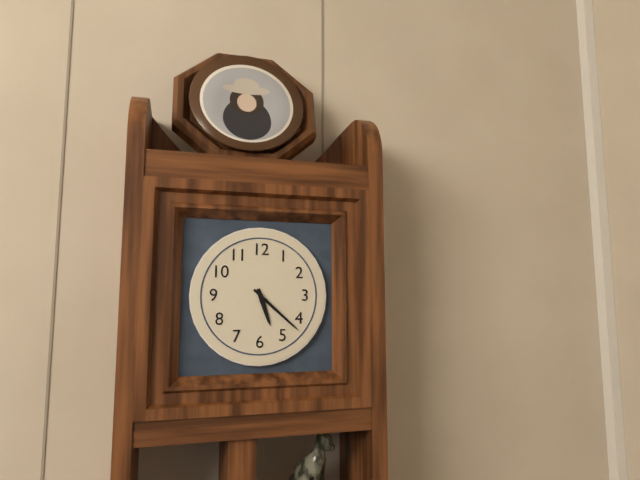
5h22
